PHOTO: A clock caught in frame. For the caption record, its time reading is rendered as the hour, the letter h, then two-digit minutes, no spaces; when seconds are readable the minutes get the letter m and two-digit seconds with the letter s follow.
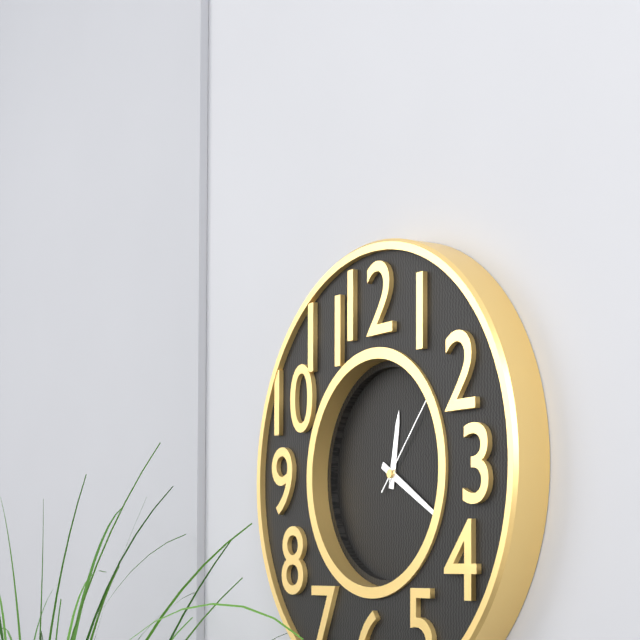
12h20m07s
